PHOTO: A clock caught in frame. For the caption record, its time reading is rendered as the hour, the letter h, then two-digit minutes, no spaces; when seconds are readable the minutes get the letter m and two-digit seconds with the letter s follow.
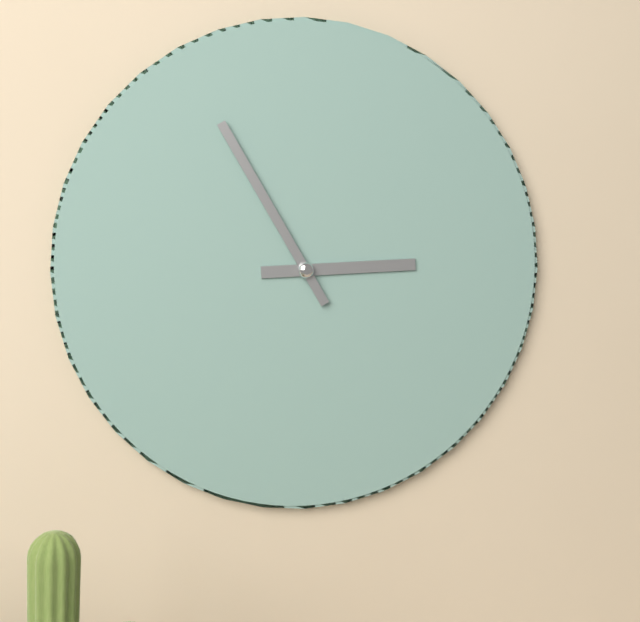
2h55
